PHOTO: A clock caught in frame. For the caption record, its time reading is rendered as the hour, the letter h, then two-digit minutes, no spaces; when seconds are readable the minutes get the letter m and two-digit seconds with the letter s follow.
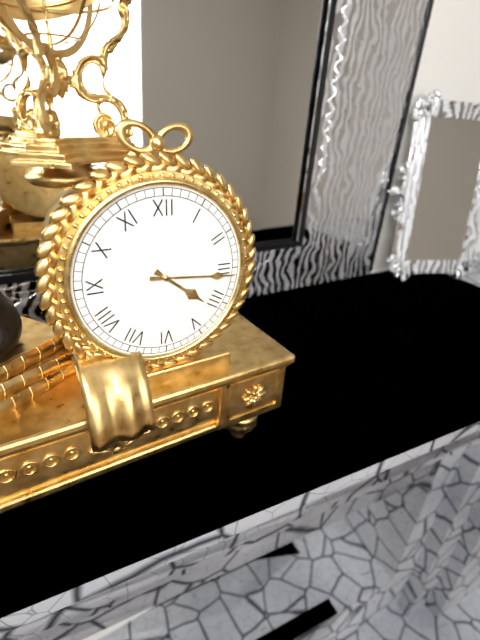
4h16
